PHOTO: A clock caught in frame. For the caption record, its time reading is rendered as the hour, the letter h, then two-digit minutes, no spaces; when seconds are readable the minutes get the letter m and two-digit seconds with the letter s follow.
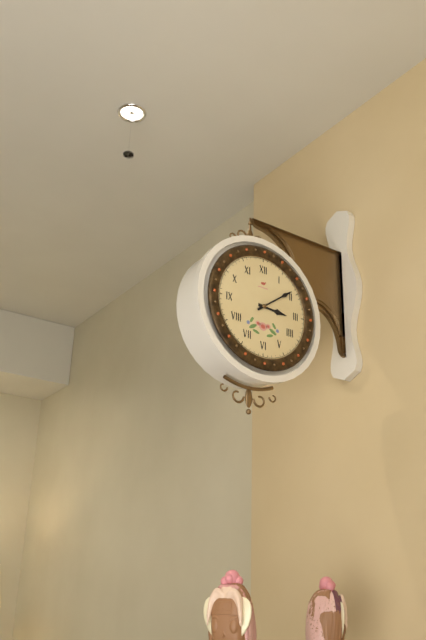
3h09
